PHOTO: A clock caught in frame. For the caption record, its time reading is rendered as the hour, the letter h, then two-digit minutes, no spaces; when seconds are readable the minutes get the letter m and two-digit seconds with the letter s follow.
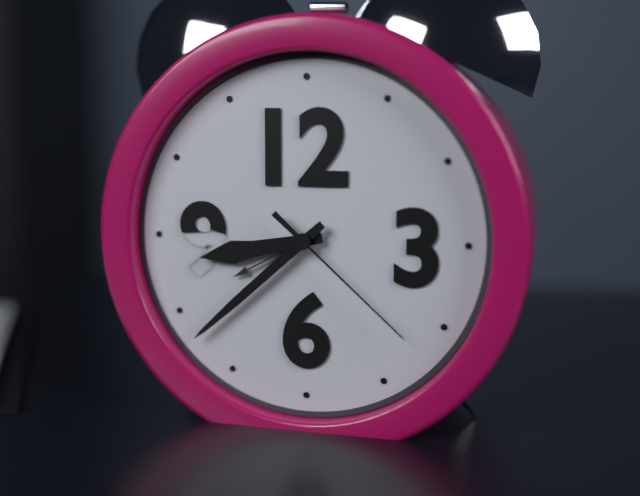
8h38m22s
